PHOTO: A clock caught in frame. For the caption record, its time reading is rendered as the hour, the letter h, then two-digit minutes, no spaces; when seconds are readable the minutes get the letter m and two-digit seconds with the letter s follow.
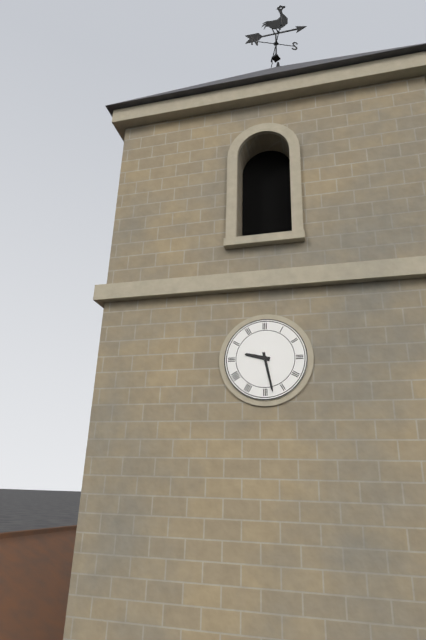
9h28
